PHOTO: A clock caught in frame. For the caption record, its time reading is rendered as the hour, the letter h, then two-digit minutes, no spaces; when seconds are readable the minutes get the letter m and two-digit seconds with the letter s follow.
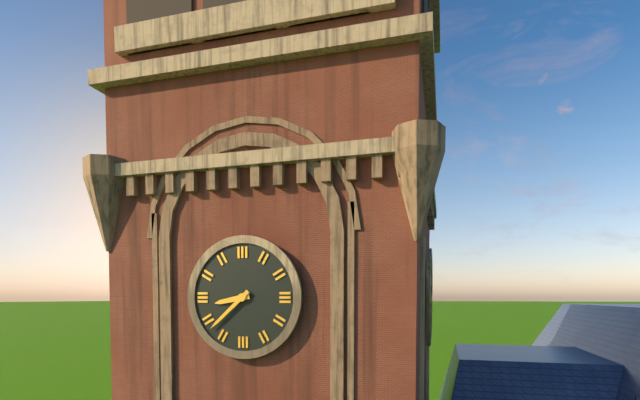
8h38
